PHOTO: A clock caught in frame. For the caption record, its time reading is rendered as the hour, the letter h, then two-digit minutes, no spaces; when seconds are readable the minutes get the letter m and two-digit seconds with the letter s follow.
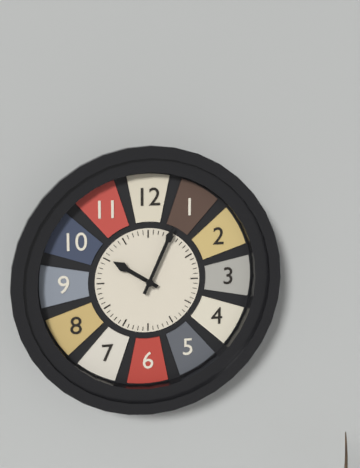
10h04
